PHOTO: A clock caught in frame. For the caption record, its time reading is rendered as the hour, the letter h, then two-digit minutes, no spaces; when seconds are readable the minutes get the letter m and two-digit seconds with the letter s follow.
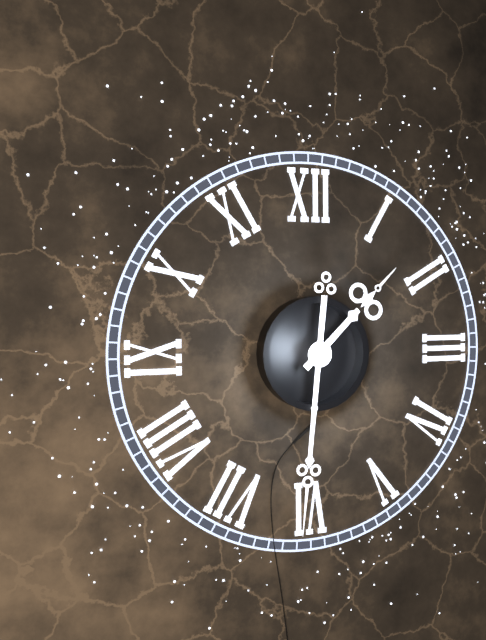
1h31
